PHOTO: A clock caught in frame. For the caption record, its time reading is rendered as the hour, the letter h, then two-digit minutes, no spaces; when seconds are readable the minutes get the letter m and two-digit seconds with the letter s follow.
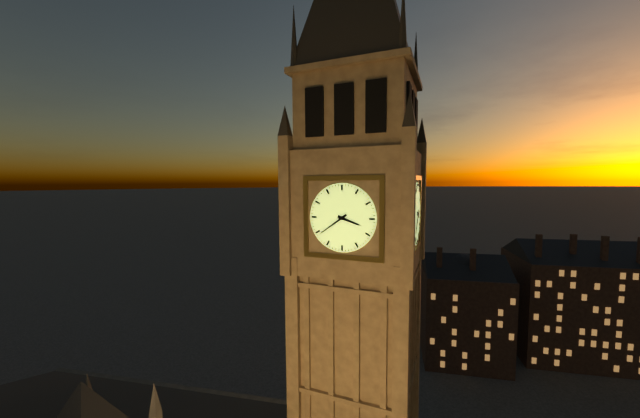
3h39
